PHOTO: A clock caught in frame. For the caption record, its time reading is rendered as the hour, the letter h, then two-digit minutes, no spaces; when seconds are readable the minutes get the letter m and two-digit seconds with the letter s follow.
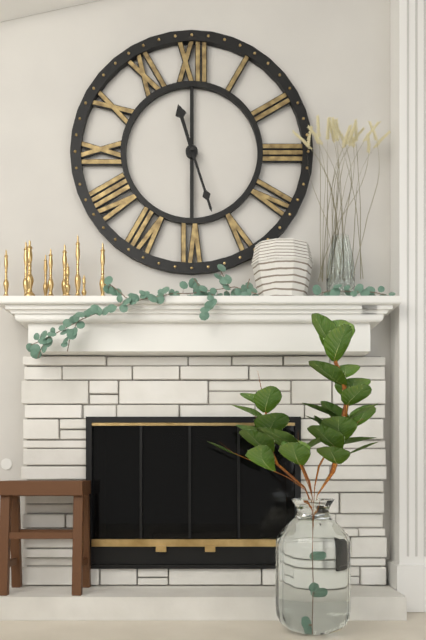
11h27
